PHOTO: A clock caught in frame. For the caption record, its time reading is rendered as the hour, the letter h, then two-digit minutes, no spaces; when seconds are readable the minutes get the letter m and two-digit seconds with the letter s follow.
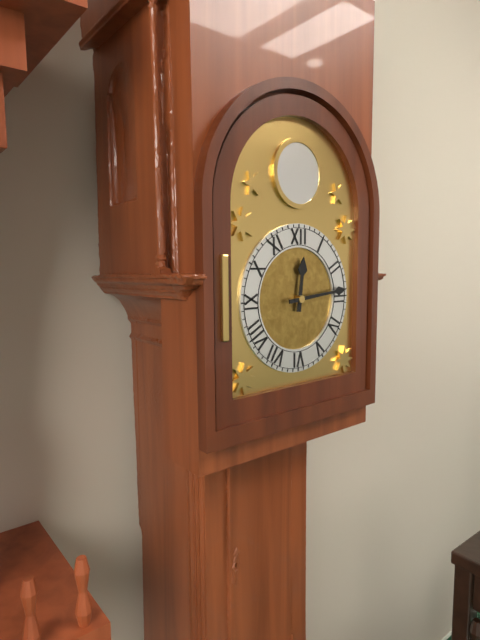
12h14
